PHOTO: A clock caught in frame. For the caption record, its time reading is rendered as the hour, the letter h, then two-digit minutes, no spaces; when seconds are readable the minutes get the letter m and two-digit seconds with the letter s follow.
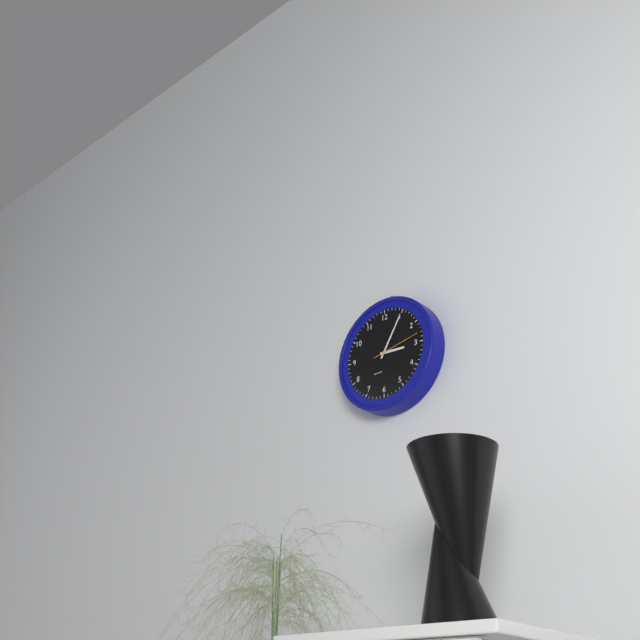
3h05
